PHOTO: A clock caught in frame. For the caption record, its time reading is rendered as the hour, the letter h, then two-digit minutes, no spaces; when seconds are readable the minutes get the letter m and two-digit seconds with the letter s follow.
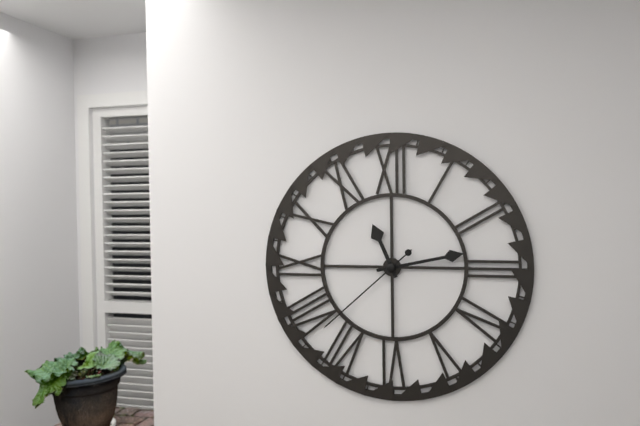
11h13m38s
